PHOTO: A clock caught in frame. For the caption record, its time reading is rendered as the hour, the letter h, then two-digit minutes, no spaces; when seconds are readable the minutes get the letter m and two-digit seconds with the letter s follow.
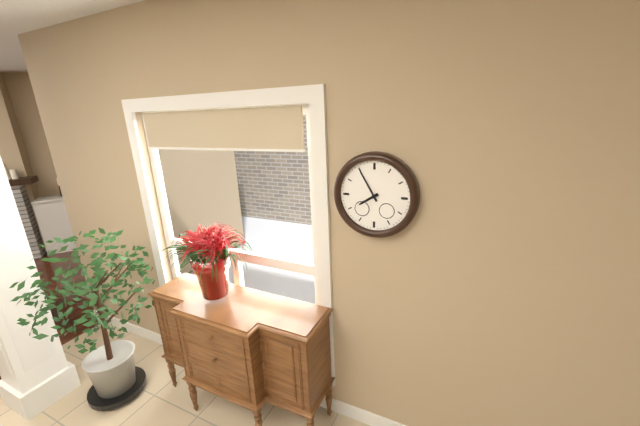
7h55
